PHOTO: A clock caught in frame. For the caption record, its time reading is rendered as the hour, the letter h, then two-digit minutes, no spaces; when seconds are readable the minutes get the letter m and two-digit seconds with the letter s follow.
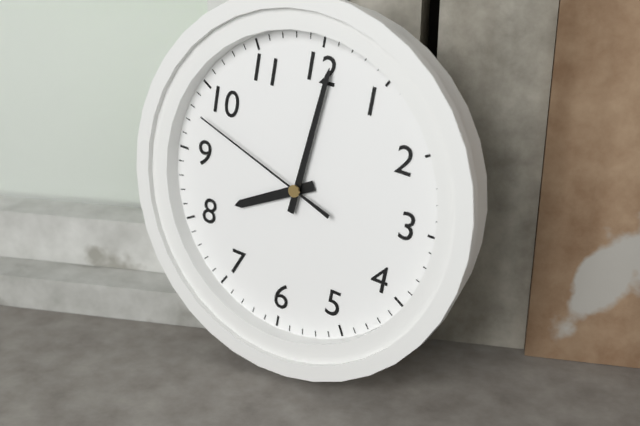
8h01m48s
